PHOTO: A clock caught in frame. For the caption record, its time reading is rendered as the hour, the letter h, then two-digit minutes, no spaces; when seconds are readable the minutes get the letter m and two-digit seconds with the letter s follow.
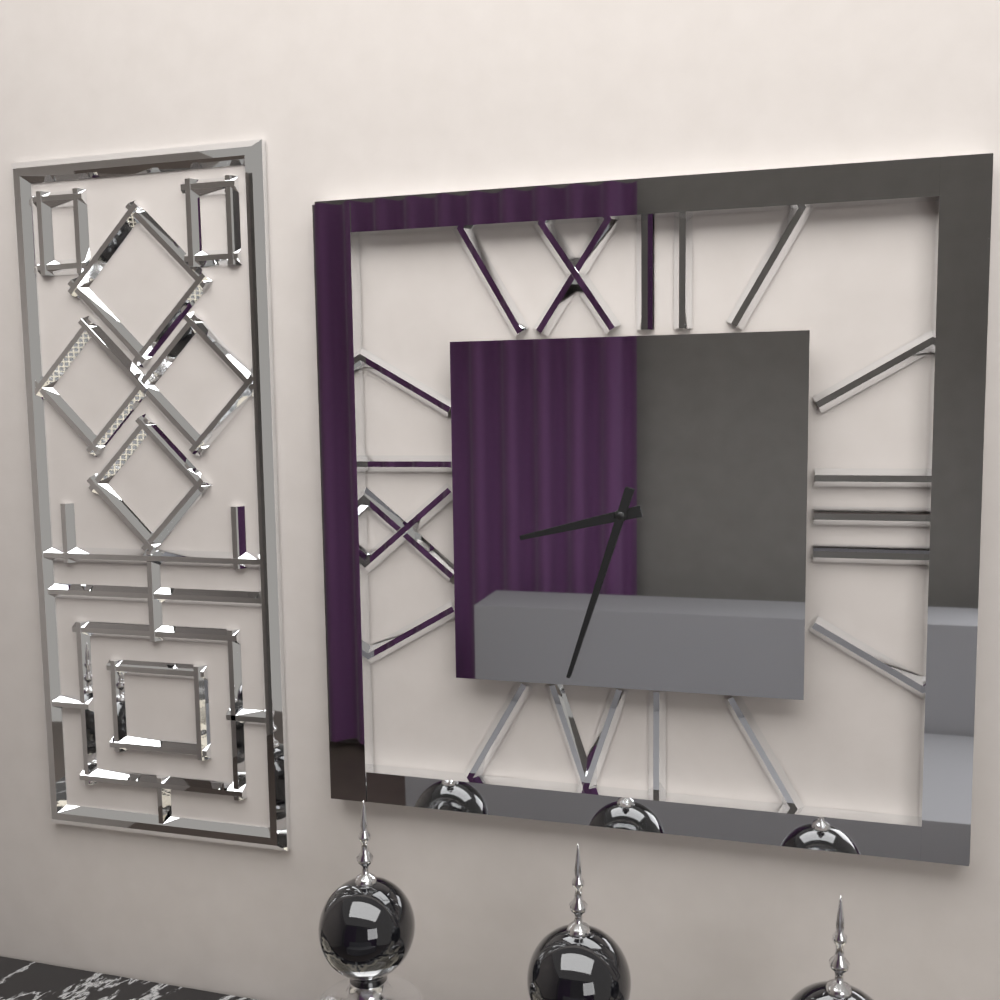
8h33
